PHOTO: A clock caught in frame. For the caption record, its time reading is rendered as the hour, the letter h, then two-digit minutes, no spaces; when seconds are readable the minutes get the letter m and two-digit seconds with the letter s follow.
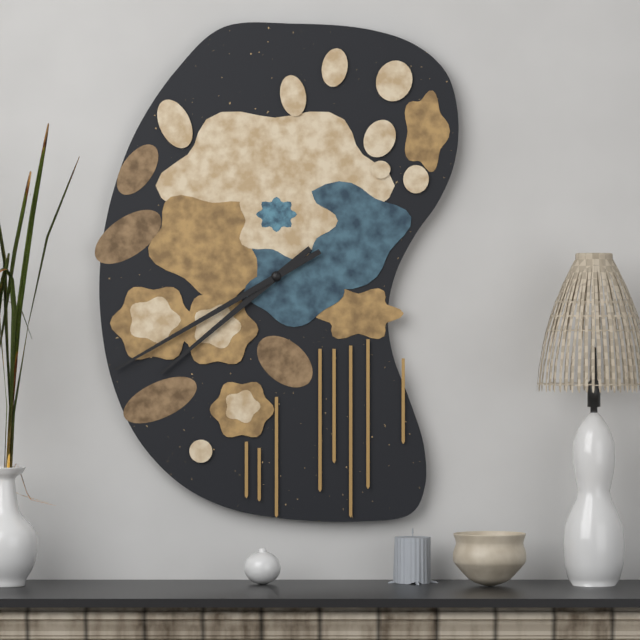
7h40
